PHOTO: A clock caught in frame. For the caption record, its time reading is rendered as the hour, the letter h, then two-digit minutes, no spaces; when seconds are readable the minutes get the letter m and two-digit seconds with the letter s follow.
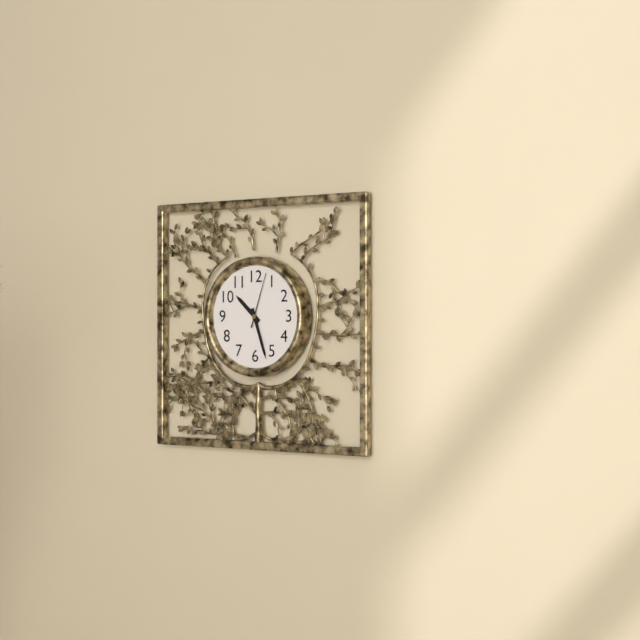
10h27m03s
